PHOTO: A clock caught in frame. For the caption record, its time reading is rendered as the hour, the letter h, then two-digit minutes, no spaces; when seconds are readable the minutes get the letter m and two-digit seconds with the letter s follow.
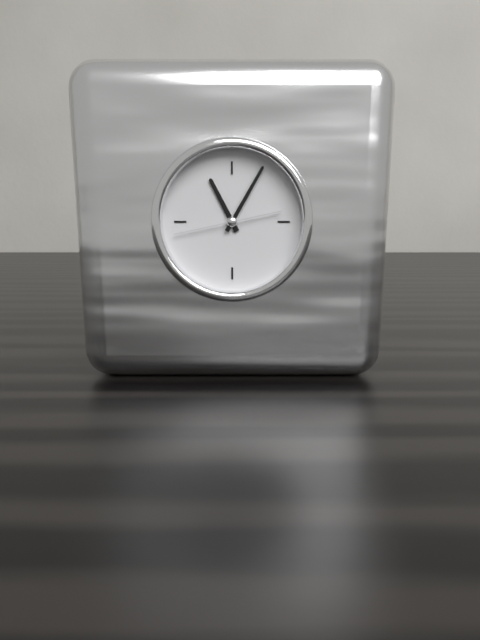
11h05m43s
